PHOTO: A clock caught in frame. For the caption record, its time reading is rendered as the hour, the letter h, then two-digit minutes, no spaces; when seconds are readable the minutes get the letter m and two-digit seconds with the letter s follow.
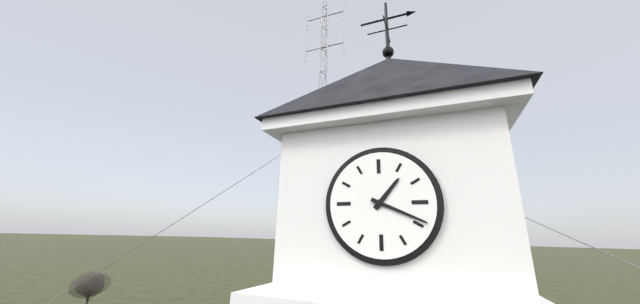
1h19
